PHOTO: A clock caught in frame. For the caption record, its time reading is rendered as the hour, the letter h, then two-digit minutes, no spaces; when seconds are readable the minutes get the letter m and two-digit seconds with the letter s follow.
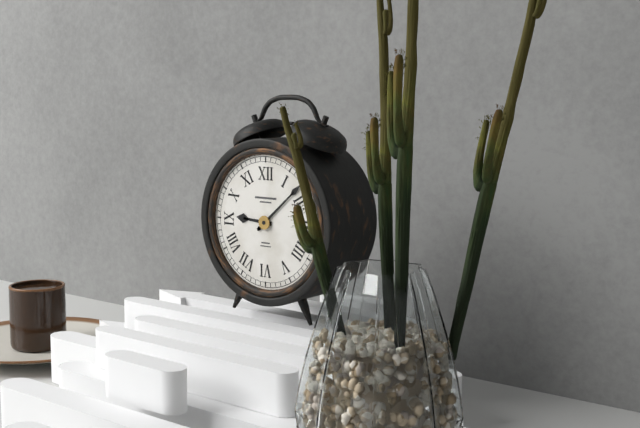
9h08
